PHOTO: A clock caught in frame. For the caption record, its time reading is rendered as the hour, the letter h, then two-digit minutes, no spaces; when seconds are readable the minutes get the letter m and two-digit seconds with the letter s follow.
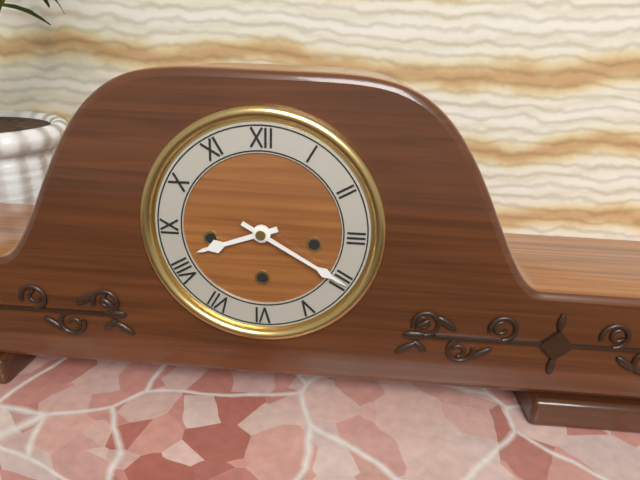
8h20
